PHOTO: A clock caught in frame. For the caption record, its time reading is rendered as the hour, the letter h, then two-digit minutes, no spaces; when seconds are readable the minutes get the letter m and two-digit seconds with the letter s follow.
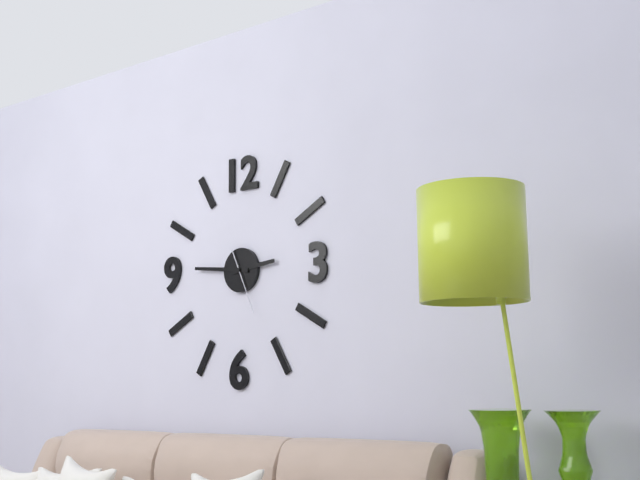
2h46m26s
